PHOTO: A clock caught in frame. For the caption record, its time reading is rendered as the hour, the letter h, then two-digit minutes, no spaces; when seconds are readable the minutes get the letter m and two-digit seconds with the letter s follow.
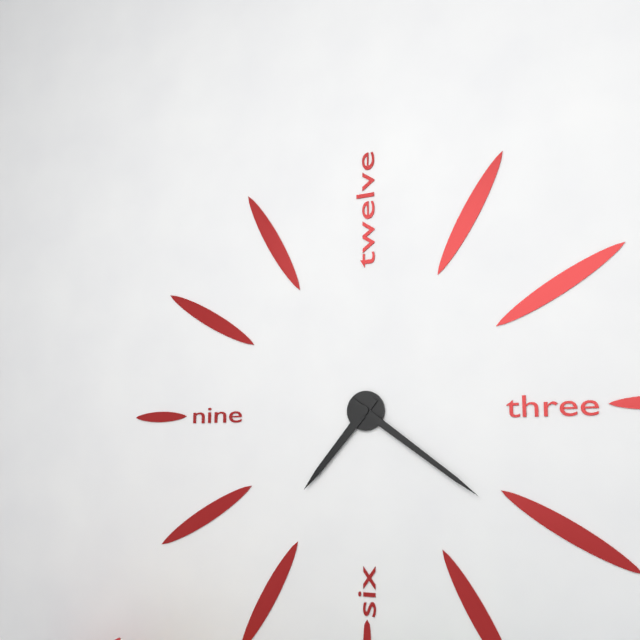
7h21
